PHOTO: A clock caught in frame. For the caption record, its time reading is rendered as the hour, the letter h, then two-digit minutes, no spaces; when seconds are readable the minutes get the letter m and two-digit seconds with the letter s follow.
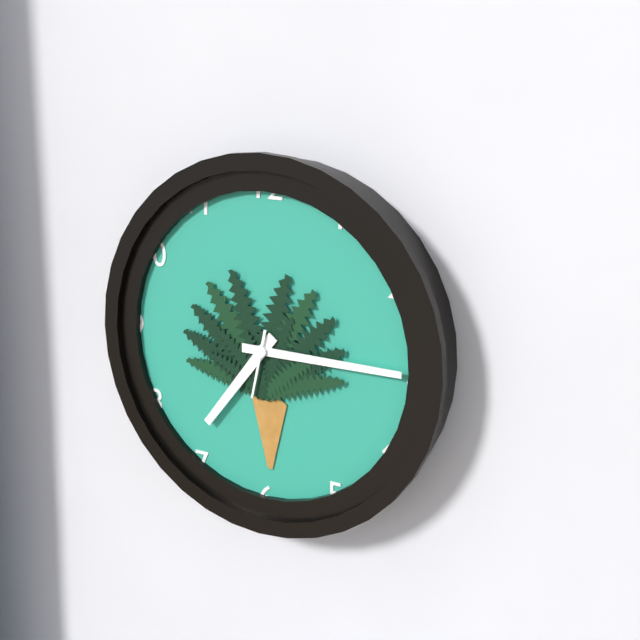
7h15m32s
